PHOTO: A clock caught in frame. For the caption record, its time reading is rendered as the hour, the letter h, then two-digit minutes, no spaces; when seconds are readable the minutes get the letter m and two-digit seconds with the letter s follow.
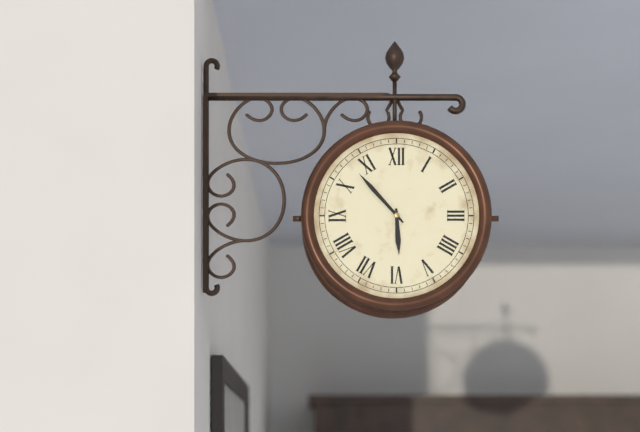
5h53
